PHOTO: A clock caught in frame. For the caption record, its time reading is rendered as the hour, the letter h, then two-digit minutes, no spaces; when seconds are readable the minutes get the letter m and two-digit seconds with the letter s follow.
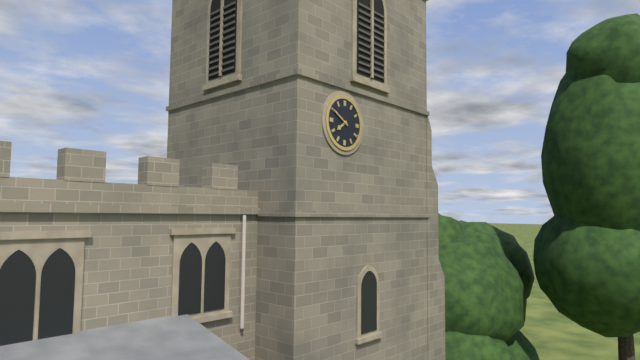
7h50
